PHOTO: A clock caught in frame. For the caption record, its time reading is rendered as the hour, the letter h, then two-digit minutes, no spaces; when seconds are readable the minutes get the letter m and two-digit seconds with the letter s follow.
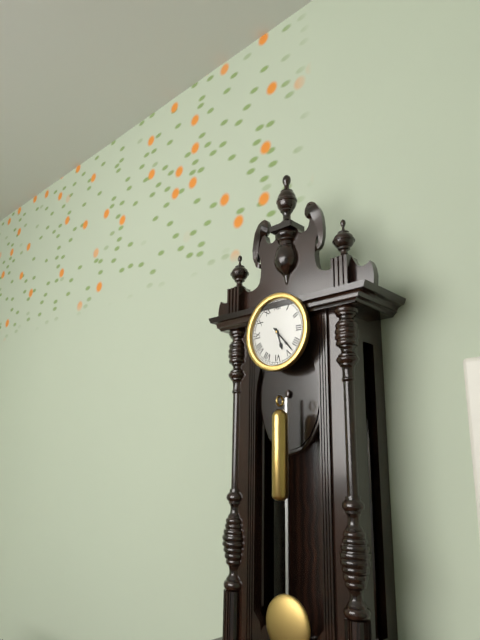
5h23
